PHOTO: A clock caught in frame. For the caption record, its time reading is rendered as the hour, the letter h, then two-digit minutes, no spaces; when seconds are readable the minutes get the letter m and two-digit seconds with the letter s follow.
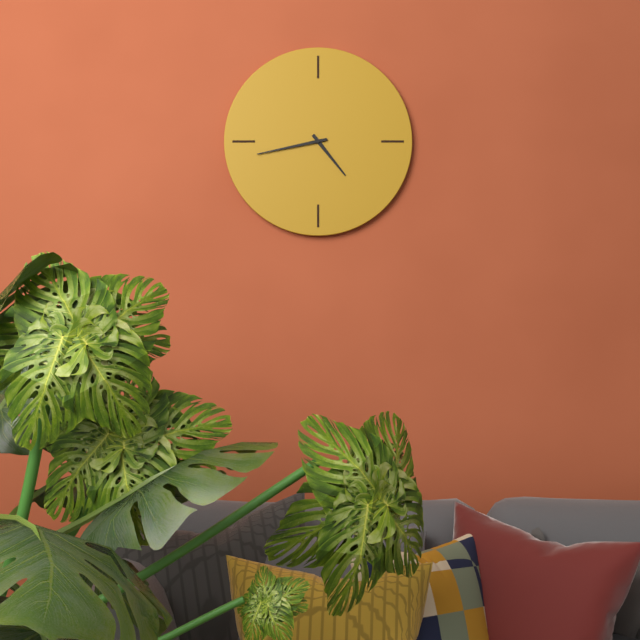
4h43
